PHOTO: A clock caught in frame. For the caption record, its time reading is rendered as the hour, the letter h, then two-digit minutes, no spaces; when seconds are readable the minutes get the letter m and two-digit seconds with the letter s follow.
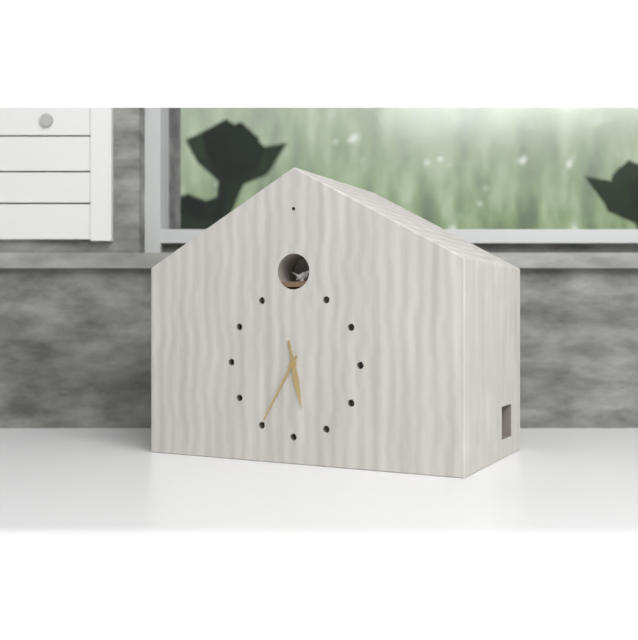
5h35
